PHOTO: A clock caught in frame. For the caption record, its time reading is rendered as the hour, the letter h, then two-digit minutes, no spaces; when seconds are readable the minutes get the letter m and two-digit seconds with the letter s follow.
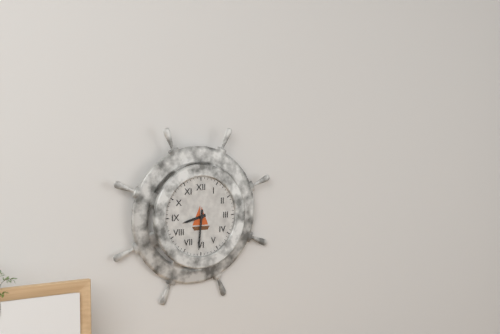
8h31
